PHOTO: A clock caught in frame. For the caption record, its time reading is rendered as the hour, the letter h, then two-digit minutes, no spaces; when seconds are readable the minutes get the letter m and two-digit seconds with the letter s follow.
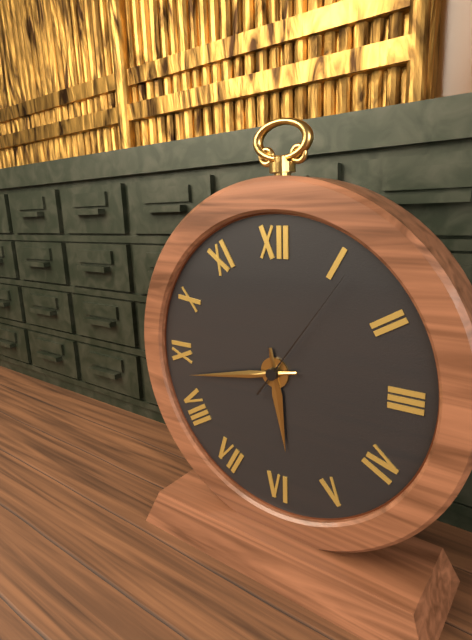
5h43m06s
